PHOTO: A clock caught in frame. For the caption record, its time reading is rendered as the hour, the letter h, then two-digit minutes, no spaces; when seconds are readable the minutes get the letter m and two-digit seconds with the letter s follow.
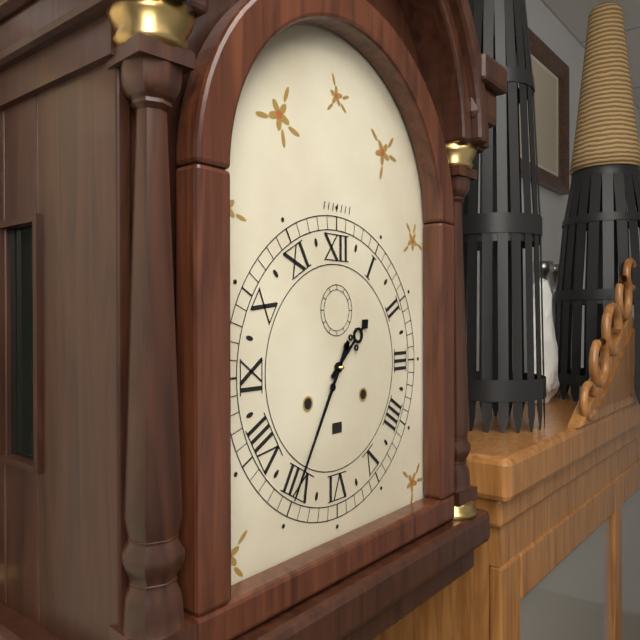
1h35
